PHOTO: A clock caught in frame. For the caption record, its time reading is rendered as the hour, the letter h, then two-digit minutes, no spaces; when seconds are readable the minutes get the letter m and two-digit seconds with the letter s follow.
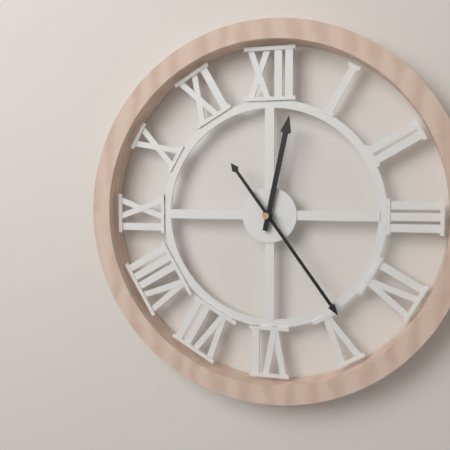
12h24
